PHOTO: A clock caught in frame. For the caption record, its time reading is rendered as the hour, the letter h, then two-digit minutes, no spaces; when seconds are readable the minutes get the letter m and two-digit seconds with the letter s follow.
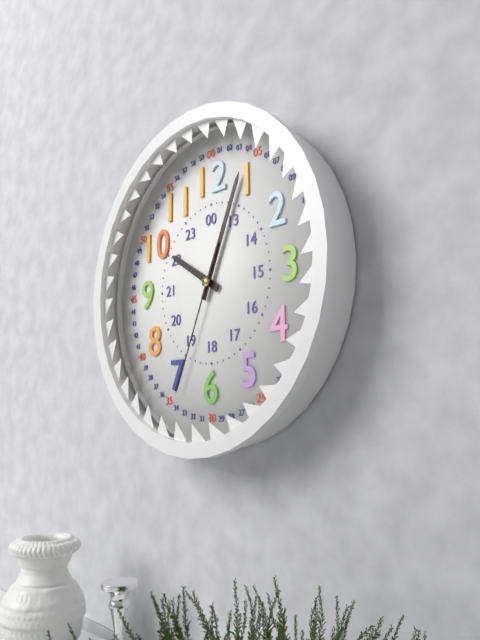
10h04m34s
